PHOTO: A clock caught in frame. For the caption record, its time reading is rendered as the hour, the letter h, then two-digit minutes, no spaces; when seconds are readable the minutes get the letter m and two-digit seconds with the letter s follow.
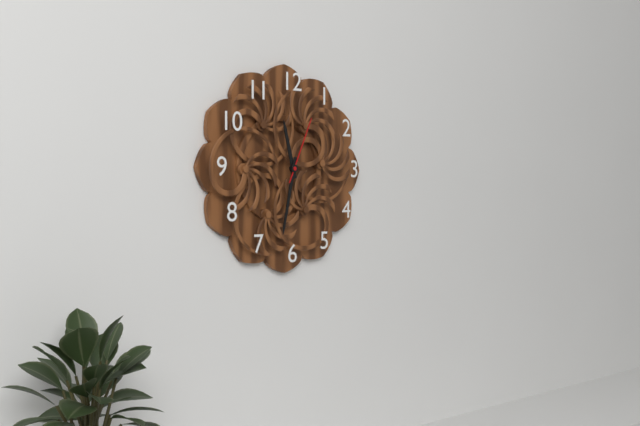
11h32m04s
